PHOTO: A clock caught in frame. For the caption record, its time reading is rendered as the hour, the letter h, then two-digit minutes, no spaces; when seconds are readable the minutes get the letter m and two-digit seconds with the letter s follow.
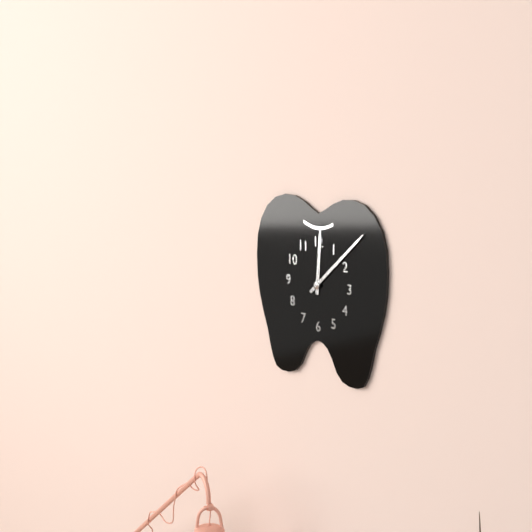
12h08
